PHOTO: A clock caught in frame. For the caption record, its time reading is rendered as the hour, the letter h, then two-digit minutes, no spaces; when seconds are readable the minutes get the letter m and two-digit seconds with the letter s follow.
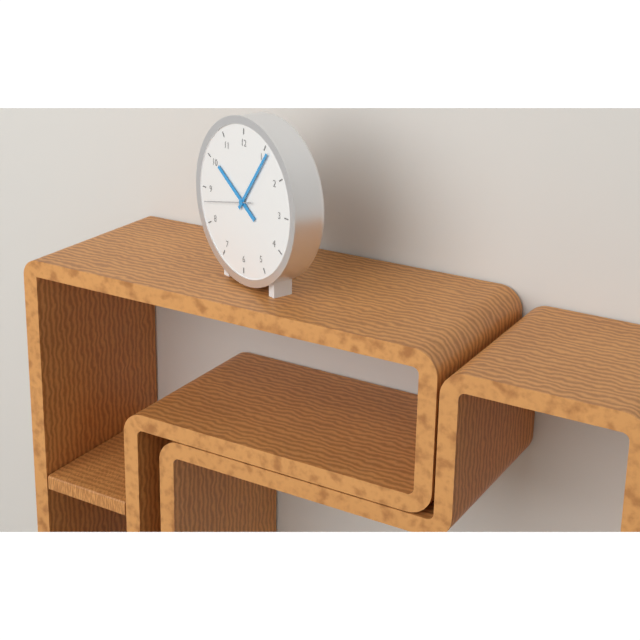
10h06
